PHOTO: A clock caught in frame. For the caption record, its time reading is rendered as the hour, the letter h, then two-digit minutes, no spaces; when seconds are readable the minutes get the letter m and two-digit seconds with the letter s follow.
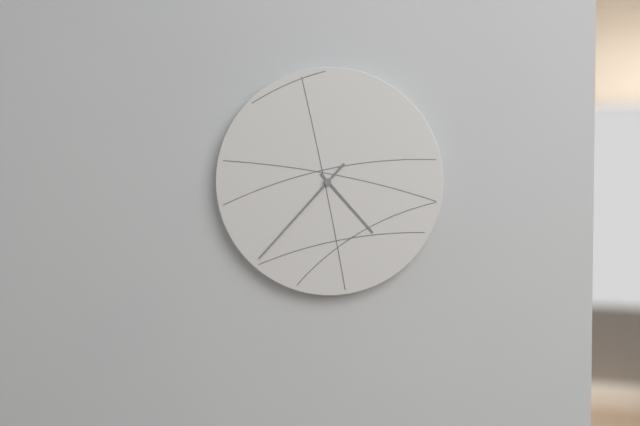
4h37
